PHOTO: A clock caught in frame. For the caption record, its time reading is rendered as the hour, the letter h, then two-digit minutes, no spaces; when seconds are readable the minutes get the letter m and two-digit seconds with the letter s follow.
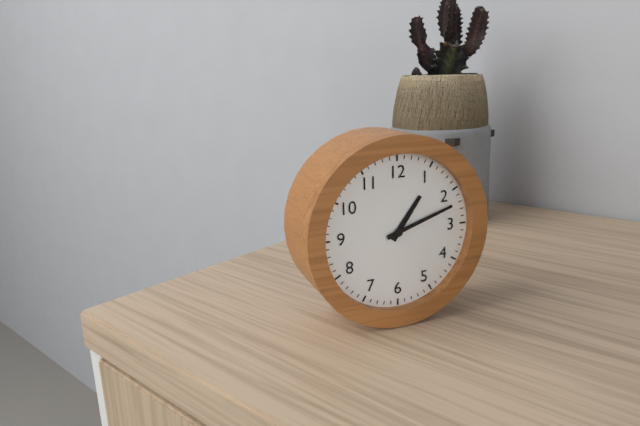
1h12
